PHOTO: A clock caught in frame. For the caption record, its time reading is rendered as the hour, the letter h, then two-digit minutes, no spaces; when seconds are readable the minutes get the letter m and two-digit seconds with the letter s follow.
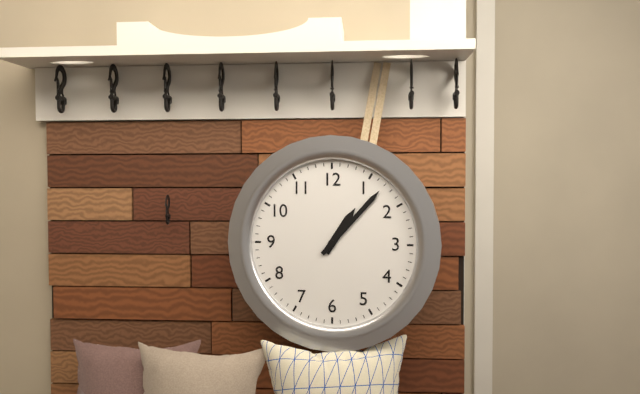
1h07
